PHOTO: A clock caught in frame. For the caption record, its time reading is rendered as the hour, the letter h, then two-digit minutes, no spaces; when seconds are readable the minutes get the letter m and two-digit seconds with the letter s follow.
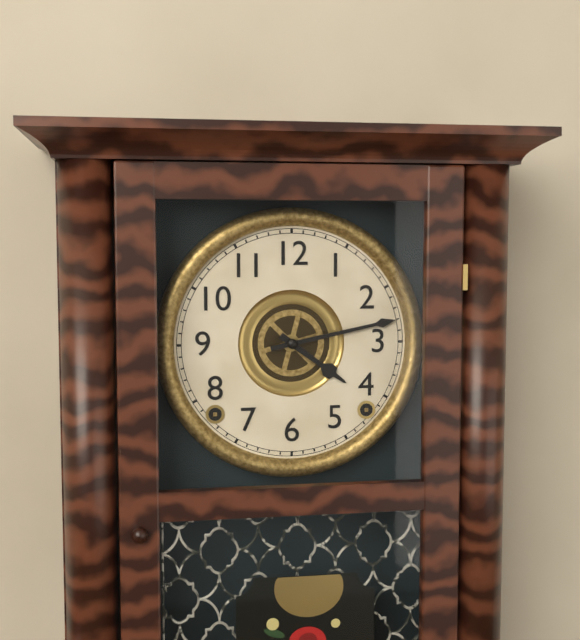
4h13
